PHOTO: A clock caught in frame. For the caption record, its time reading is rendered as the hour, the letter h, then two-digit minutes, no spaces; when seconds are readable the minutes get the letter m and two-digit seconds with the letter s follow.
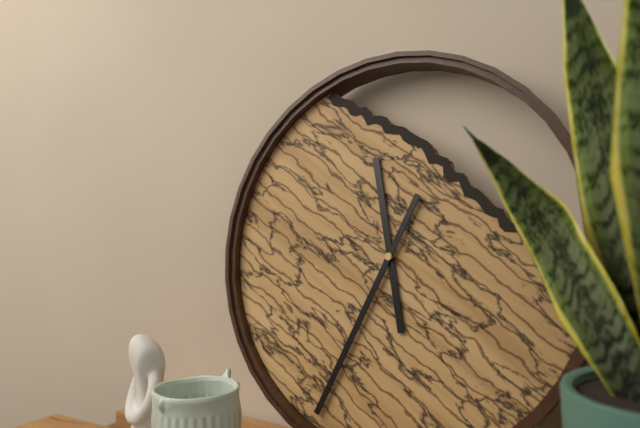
11h34
